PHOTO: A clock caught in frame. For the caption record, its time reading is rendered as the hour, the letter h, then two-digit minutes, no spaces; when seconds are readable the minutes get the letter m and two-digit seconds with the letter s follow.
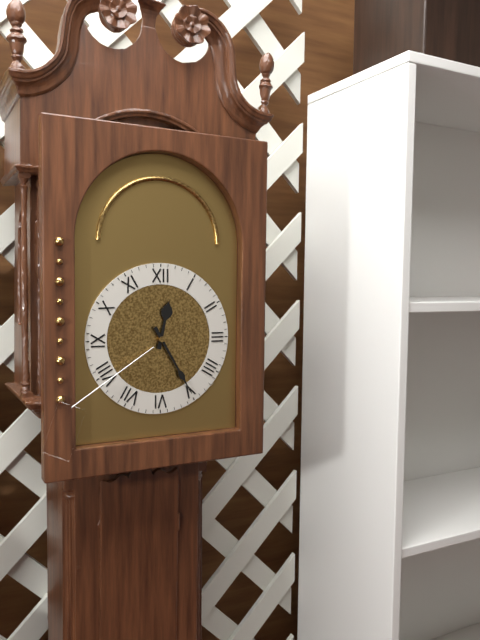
12h25
